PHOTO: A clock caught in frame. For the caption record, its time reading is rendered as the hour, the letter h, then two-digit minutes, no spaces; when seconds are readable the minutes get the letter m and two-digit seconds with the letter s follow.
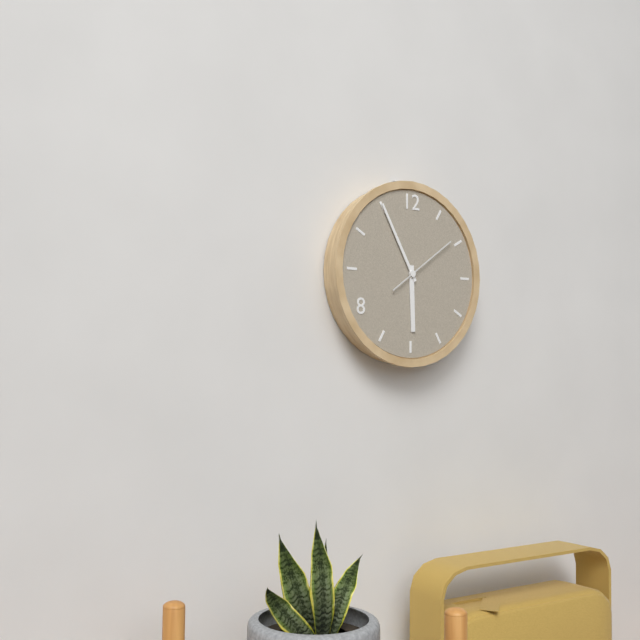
5h55m09s
